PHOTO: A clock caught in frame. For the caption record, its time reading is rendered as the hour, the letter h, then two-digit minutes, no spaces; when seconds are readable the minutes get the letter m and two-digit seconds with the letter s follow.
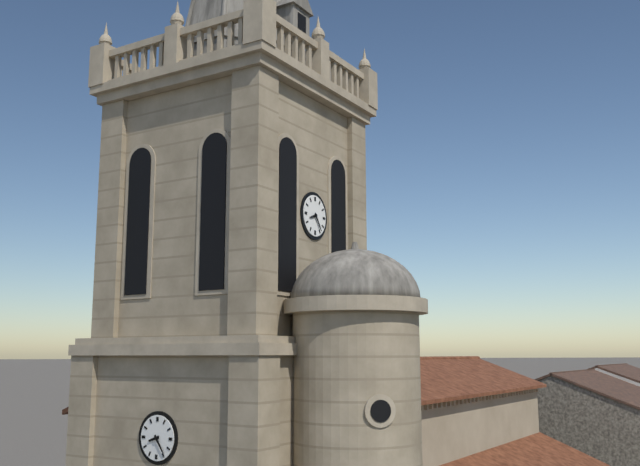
8h24
